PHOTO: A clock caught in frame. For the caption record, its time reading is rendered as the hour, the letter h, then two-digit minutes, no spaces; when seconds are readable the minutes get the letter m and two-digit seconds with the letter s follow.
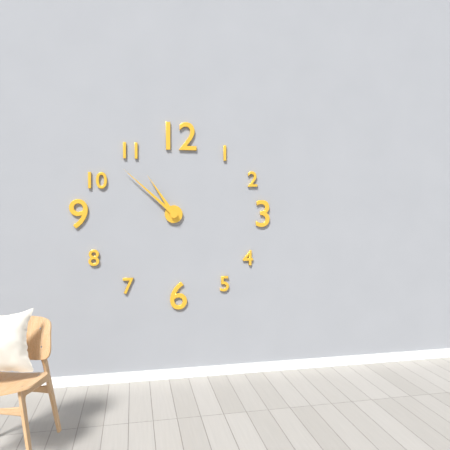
10h52
